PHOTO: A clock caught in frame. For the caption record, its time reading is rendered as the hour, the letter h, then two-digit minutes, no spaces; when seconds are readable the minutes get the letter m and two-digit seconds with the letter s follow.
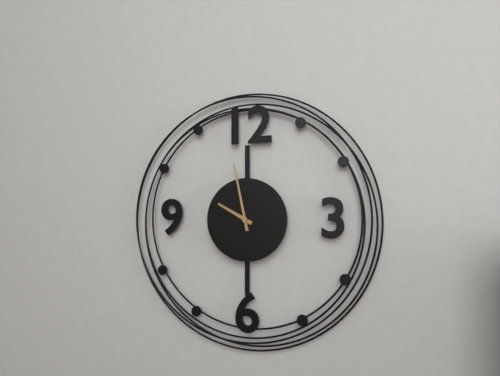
9h58
